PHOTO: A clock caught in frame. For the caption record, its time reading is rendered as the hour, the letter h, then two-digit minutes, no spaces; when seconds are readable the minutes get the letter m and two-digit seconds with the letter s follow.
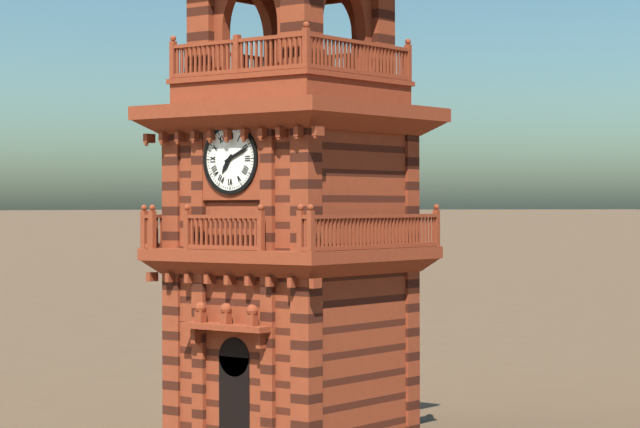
7h11
